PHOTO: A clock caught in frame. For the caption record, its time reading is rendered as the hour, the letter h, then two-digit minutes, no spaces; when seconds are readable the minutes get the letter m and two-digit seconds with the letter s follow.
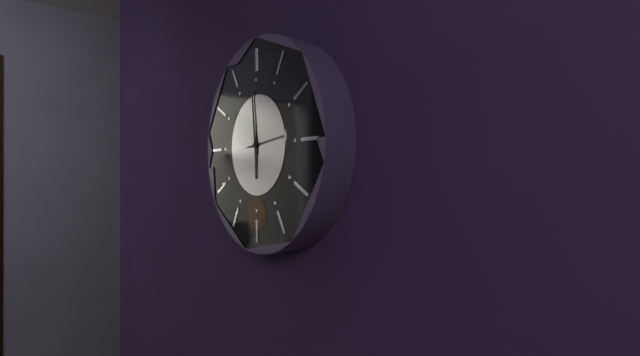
5h59
